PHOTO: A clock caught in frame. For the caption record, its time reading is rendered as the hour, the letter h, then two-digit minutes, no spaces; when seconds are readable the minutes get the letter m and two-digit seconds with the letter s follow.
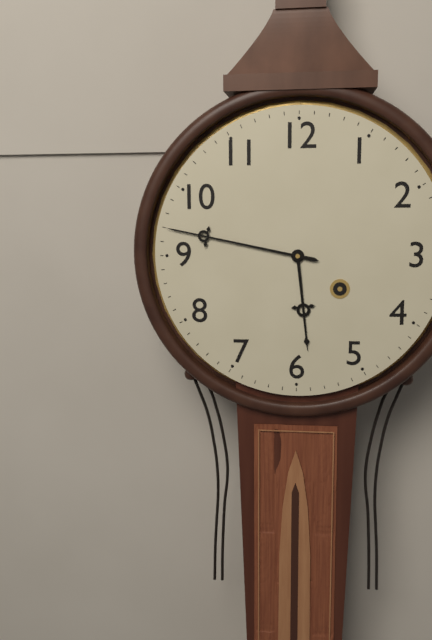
5h47
